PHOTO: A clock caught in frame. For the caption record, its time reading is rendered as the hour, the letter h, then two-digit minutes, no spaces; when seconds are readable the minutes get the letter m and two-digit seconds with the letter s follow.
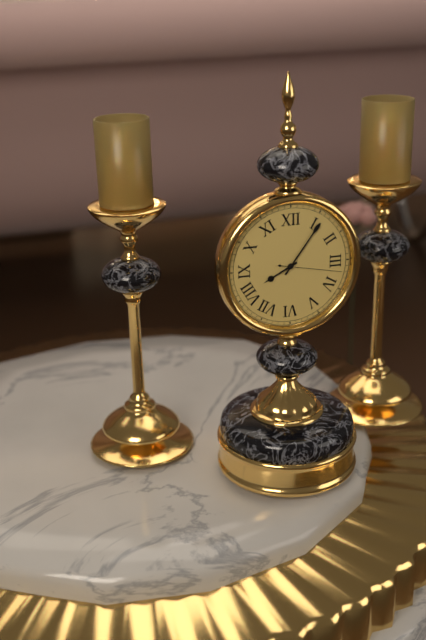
8h06m17s
